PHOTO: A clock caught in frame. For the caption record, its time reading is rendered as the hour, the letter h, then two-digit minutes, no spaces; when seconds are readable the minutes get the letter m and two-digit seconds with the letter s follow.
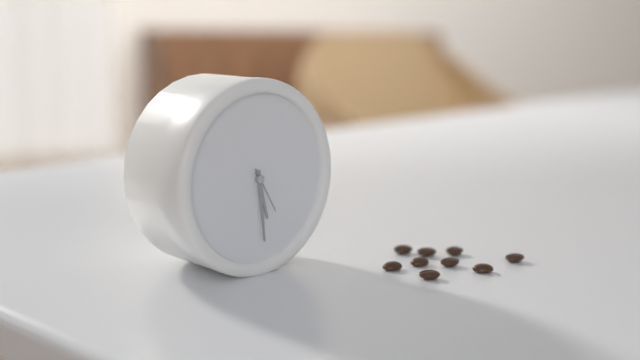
5h29
